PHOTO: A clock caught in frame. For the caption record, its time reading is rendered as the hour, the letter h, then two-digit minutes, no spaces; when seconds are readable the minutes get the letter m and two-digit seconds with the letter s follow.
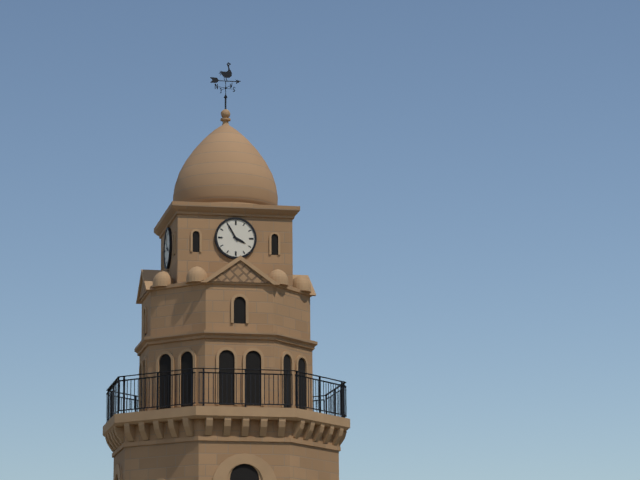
3h55
